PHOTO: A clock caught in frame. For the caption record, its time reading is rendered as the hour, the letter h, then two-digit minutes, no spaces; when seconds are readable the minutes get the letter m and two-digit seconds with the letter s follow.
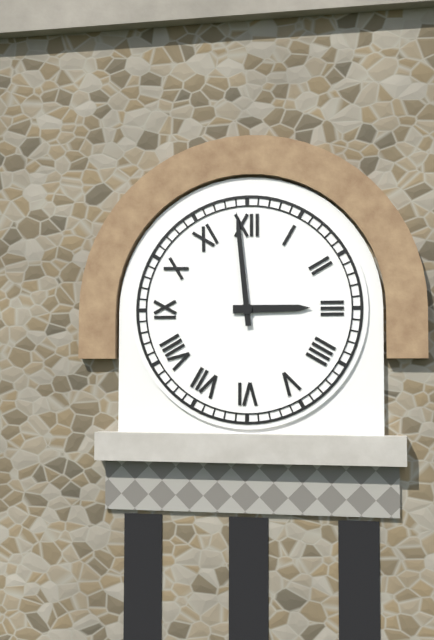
2h59
